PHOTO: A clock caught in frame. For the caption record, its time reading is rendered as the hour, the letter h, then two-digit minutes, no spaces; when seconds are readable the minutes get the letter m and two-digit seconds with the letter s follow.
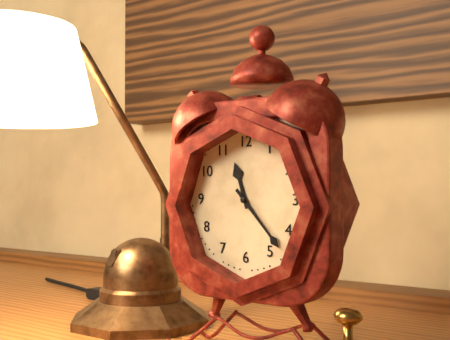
11h23
